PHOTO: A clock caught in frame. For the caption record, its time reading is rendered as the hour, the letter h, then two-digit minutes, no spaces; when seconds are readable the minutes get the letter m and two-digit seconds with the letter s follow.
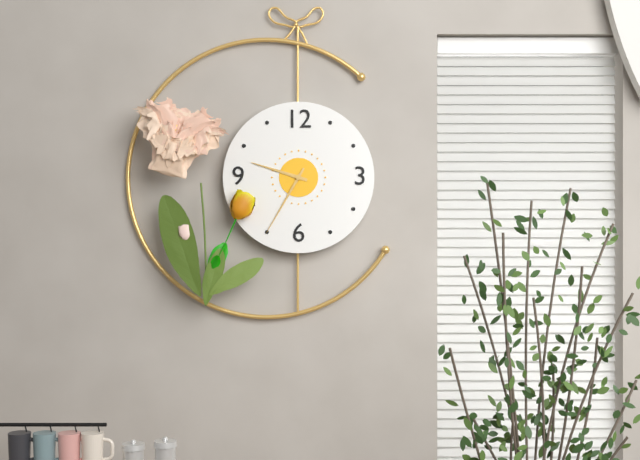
9h35
